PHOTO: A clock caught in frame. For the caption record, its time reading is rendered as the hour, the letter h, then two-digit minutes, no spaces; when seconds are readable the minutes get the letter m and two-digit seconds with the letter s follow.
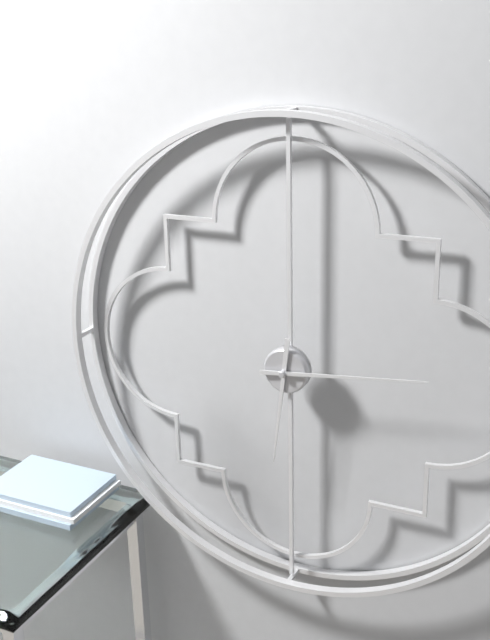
6h14
